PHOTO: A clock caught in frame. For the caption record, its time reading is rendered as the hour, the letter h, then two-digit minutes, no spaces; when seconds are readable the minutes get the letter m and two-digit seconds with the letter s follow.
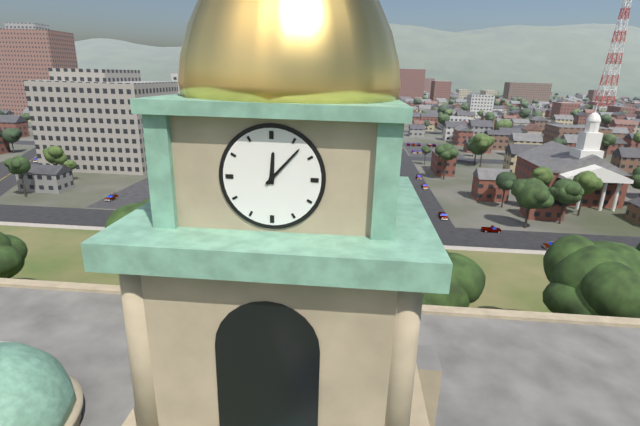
12h07
